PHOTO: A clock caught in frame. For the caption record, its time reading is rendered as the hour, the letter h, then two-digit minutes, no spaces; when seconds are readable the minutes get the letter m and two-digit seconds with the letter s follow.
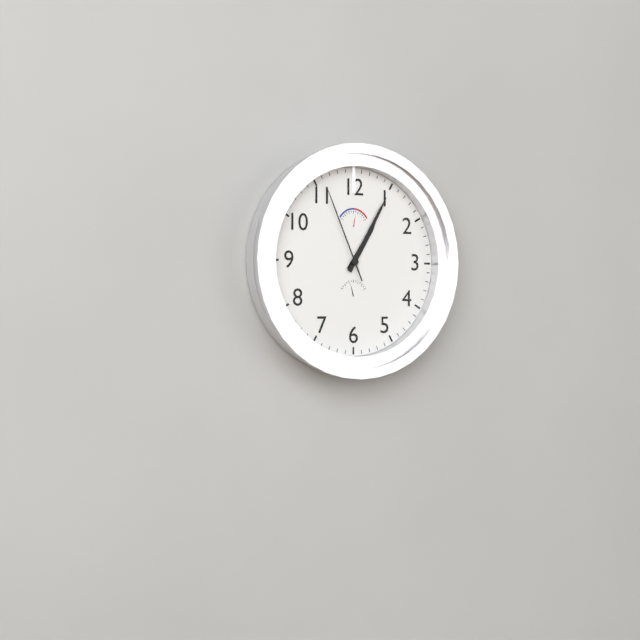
1h05m56s
